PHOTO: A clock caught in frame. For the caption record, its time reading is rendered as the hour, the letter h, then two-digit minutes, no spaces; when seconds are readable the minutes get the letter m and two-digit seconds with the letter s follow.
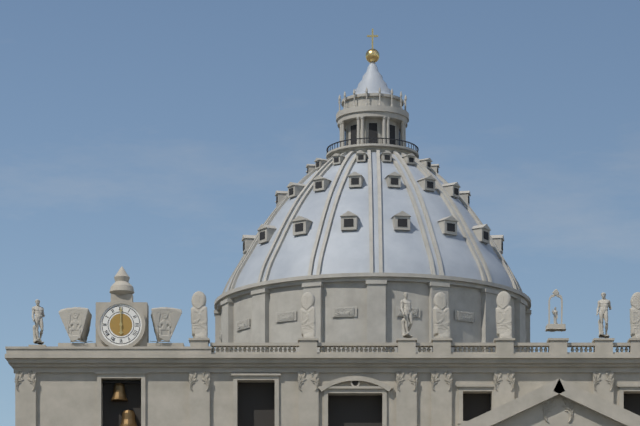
6h00
